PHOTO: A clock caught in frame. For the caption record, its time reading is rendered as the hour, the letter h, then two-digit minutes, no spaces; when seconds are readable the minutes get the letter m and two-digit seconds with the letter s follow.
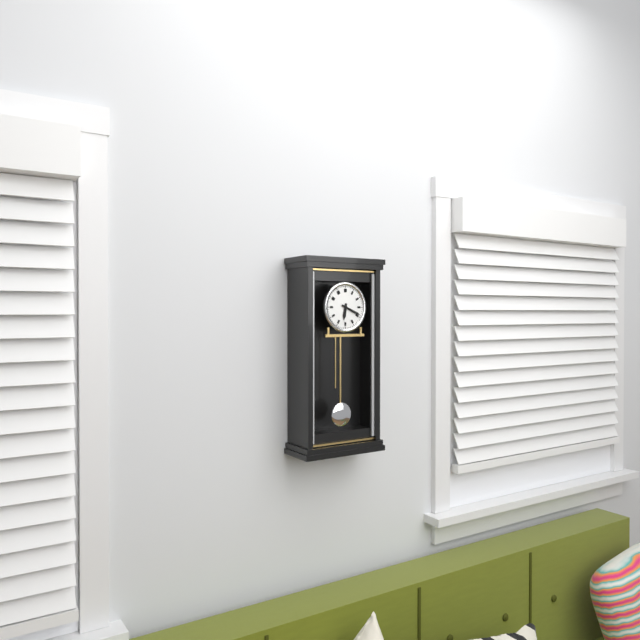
6h19
